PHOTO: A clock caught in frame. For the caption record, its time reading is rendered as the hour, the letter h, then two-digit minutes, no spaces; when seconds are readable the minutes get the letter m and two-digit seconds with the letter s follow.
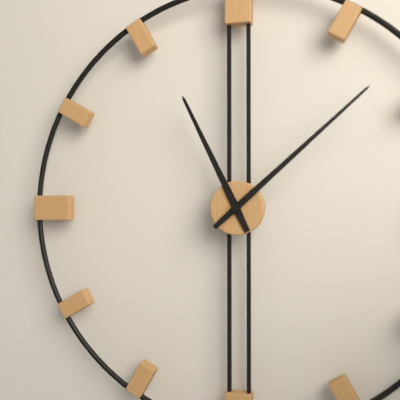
11h08
